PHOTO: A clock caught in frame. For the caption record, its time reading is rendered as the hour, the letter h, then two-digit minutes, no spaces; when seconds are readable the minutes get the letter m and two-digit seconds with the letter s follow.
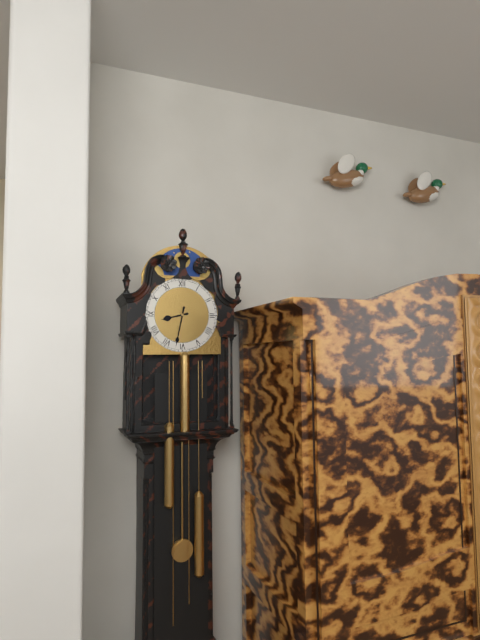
8h32
